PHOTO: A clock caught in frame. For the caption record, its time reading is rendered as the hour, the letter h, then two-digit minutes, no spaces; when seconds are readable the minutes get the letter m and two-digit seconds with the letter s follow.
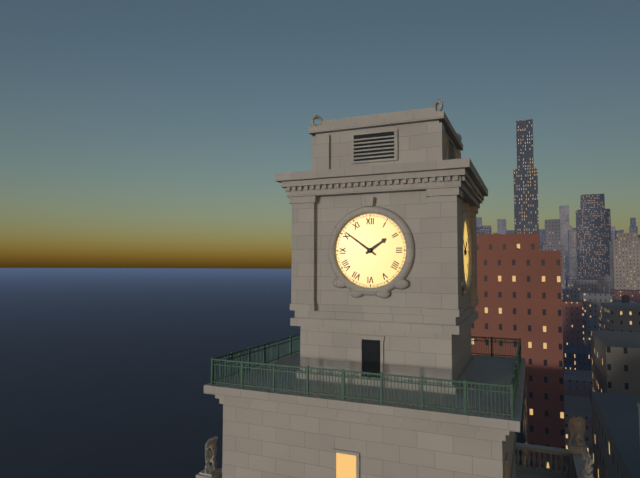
1h51
